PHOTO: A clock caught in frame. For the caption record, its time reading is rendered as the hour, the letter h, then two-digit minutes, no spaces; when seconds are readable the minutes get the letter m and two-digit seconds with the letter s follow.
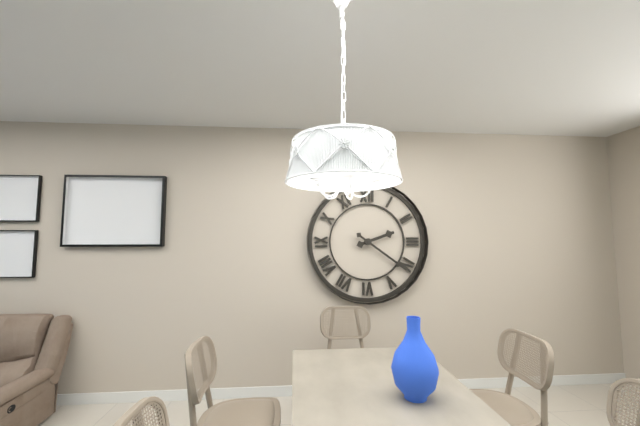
2h21
